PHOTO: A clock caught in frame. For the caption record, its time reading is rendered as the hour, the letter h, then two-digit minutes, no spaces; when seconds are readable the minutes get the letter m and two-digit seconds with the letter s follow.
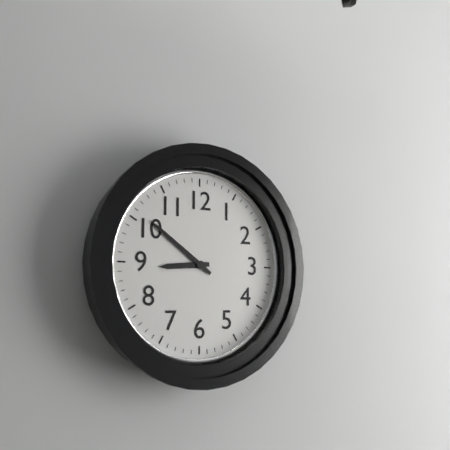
8h51
